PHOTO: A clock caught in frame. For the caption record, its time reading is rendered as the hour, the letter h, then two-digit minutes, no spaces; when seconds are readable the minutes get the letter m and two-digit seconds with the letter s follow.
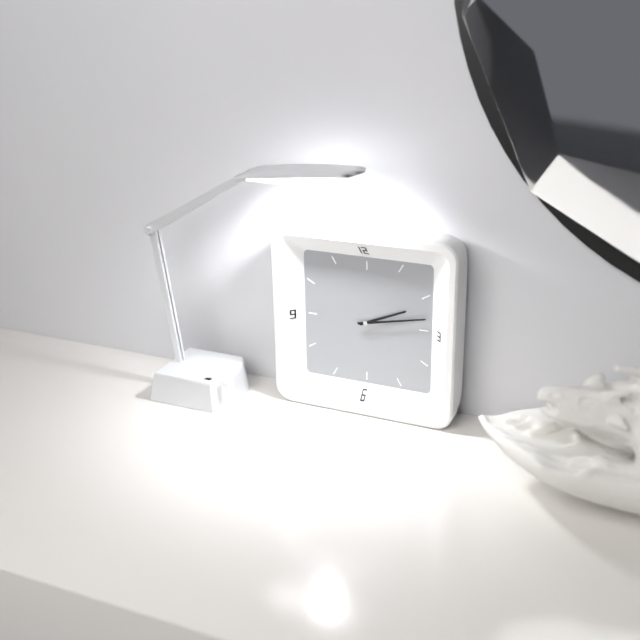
2h13
